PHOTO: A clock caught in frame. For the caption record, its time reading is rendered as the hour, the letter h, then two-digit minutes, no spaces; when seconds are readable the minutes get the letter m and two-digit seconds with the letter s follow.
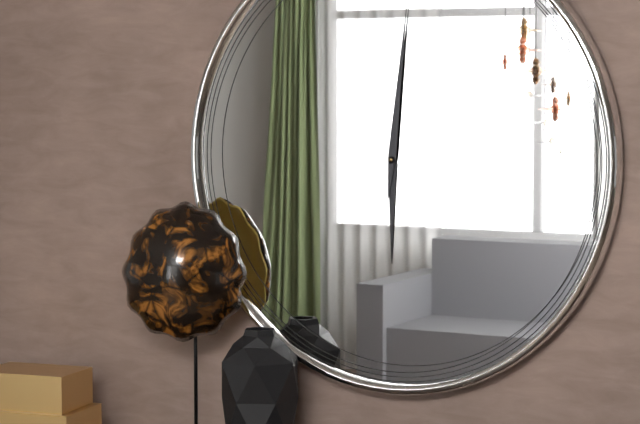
6h01
